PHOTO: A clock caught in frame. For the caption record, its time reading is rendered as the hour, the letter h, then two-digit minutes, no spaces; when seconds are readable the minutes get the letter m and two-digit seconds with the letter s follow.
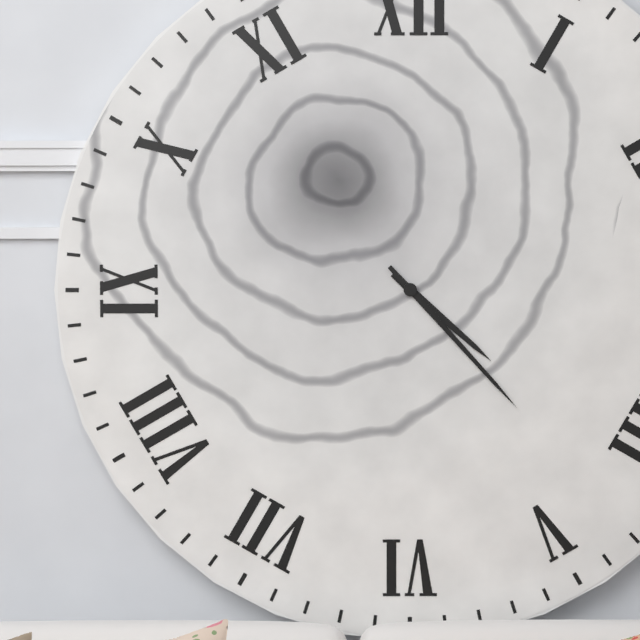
4h23
